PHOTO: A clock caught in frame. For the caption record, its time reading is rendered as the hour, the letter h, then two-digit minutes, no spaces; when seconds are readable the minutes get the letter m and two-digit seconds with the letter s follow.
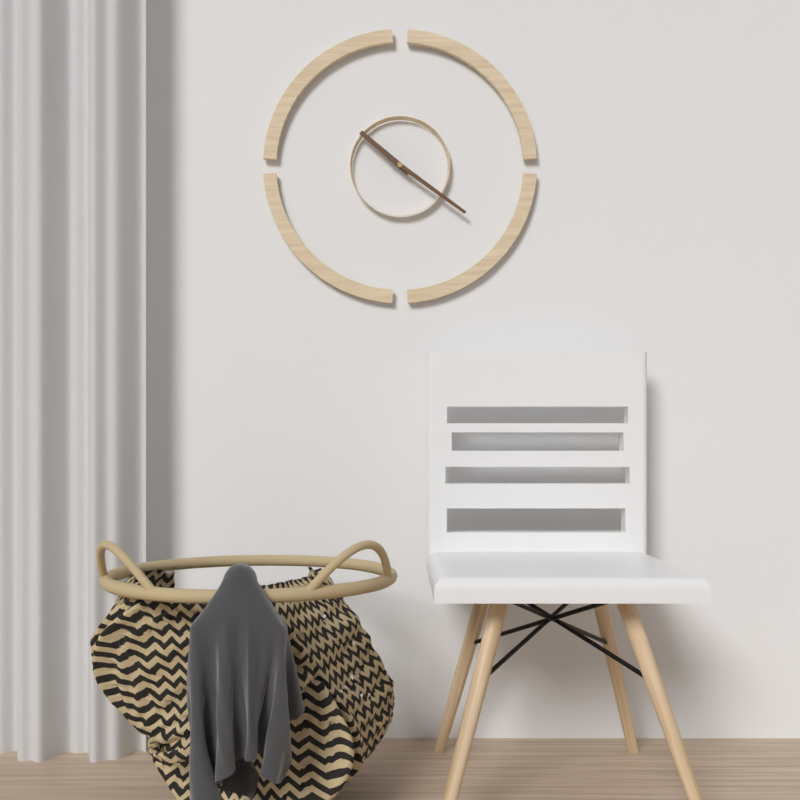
10h21
